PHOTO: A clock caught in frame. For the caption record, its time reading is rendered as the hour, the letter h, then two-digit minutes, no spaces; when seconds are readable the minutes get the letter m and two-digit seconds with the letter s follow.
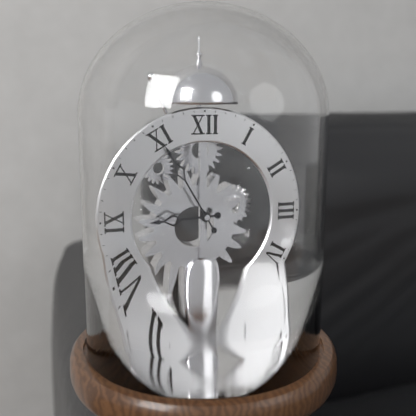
8h55
